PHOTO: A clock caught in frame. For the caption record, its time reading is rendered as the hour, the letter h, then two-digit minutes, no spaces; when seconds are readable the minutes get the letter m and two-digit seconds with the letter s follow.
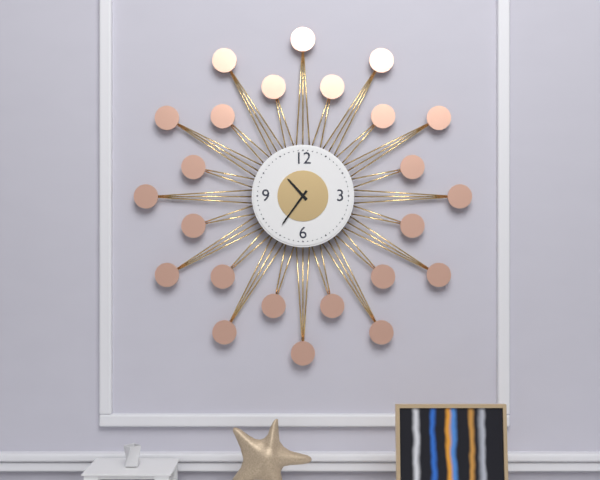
10h36
